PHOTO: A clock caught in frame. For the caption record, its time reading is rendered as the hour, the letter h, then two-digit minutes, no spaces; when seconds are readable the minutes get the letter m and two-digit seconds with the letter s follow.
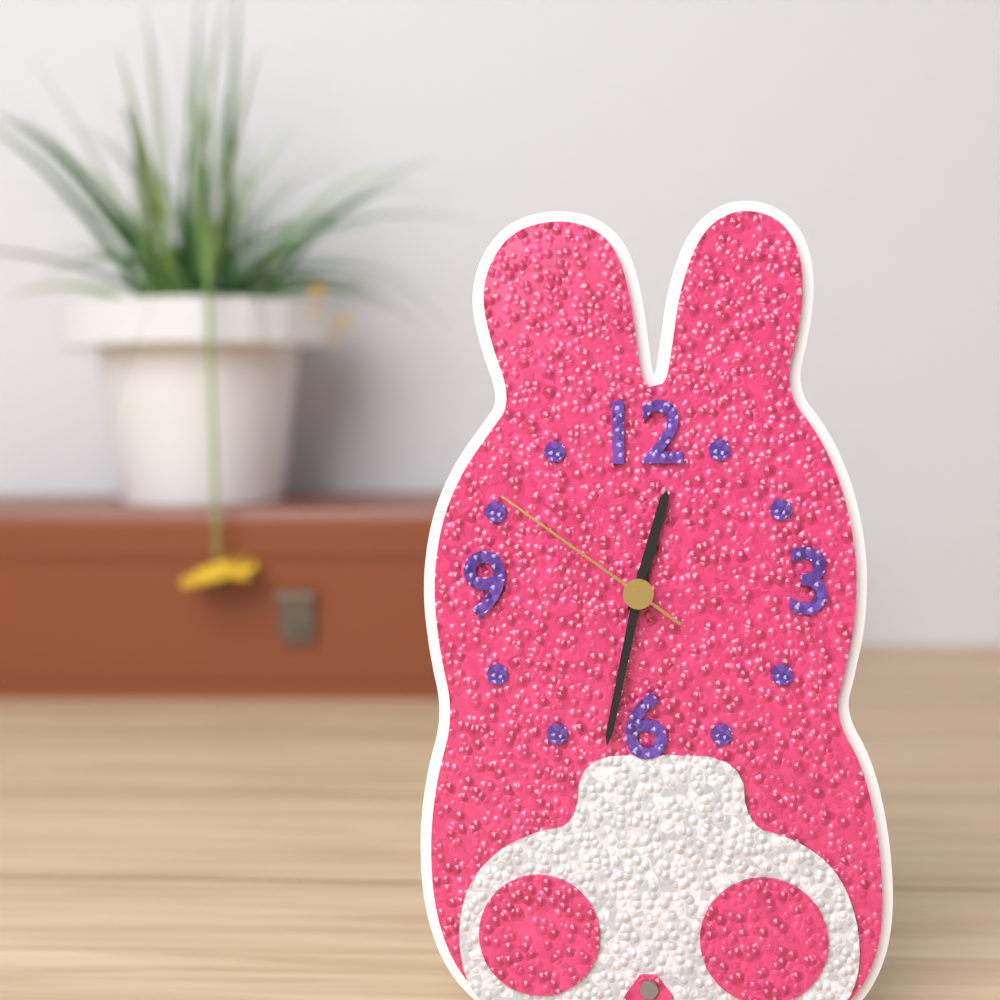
12h32m51s
